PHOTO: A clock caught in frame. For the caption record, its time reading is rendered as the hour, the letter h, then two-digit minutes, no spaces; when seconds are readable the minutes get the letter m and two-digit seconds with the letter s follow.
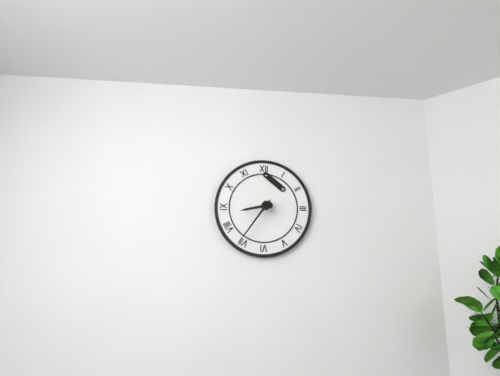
8h36
